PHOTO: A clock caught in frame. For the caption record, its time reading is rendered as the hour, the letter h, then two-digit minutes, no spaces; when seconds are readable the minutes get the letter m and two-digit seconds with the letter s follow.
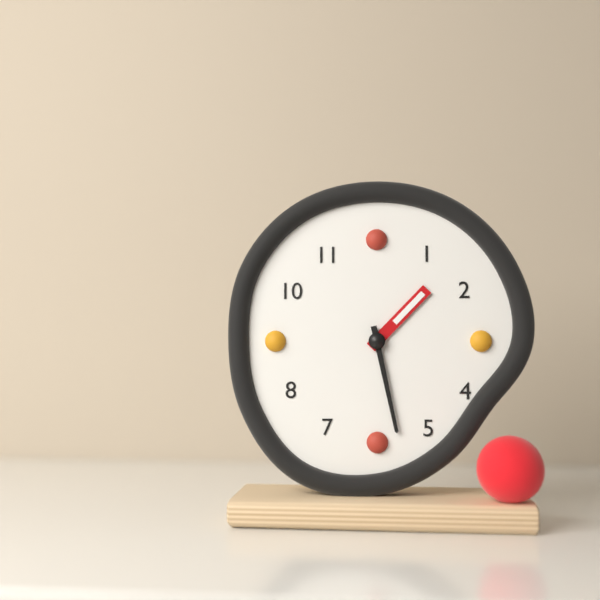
1h28
